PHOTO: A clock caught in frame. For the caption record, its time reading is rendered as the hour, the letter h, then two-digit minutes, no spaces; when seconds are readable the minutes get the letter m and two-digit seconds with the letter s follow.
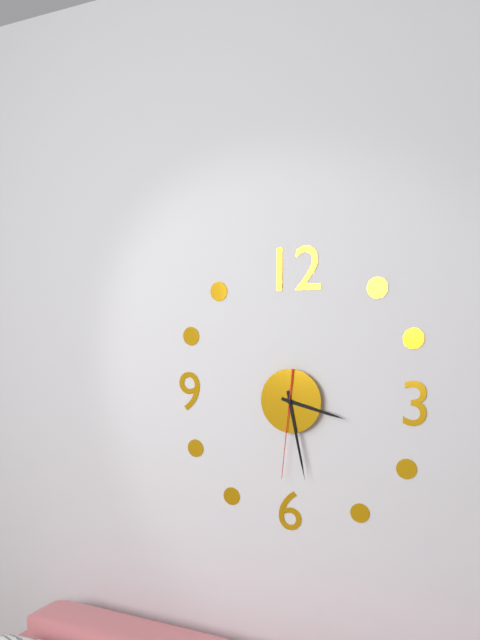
3h28m31s
